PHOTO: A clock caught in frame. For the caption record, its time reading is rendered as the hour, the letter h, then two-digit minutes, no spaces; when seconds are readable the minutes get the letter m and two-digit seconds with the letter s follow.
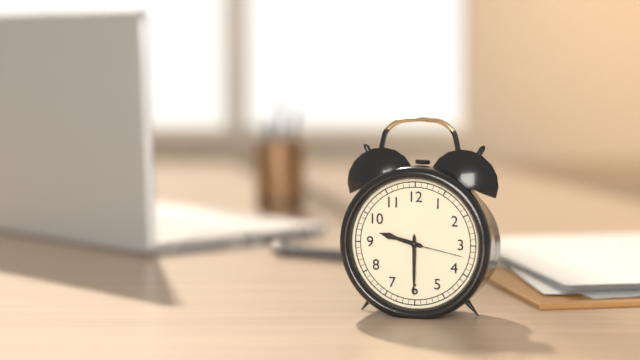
9h30m17s
